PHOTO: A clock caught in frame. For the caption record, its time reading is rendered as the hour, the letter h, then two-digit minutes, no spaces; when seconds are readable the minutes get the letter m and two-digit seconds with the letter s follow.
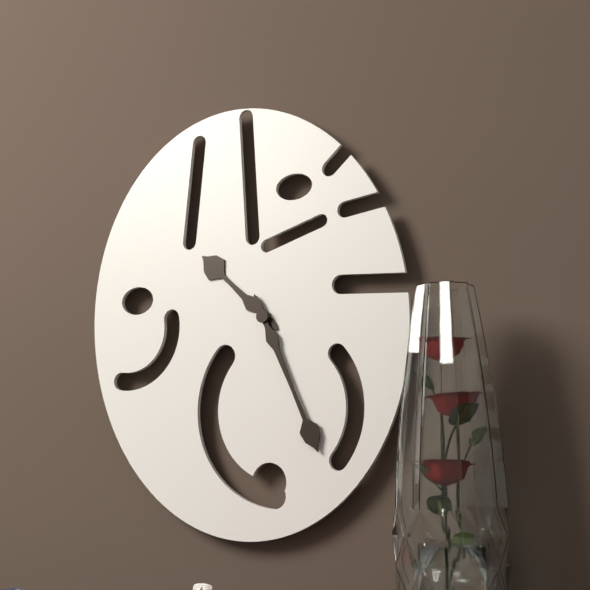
10h26
